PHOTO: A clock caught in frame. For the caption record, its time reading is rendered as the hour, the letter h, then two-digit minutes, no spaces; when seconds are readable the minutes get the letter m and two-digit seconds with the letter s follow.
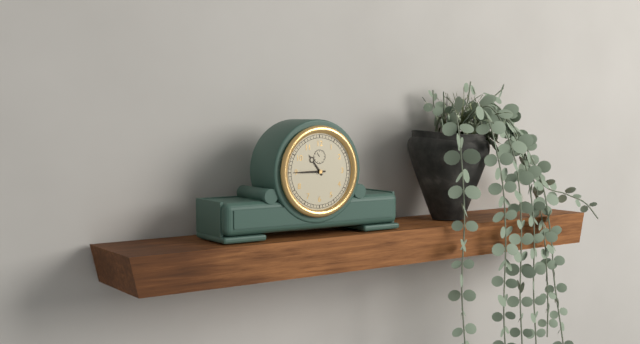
10h45
